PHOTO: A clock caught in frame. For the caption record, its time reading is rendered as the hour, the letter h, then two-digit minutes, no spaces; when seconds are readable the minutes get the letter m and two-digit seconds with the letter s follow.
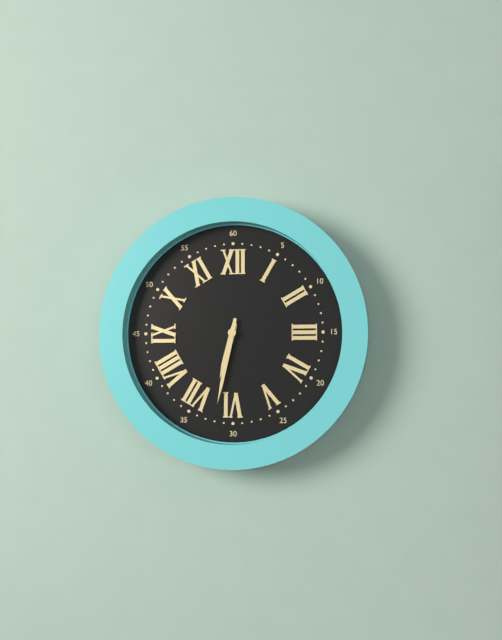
6h32
